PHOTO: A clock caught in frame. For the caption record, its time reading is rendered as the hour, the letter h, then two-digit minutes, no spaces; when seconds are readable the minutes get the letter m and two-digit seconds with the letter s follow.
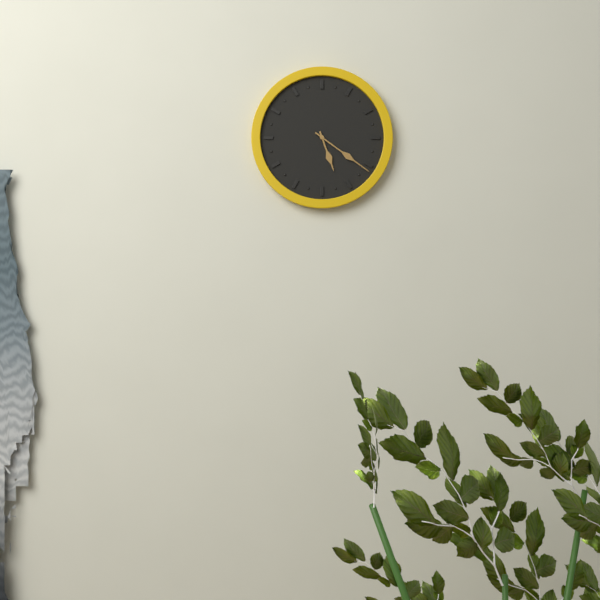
5h21
